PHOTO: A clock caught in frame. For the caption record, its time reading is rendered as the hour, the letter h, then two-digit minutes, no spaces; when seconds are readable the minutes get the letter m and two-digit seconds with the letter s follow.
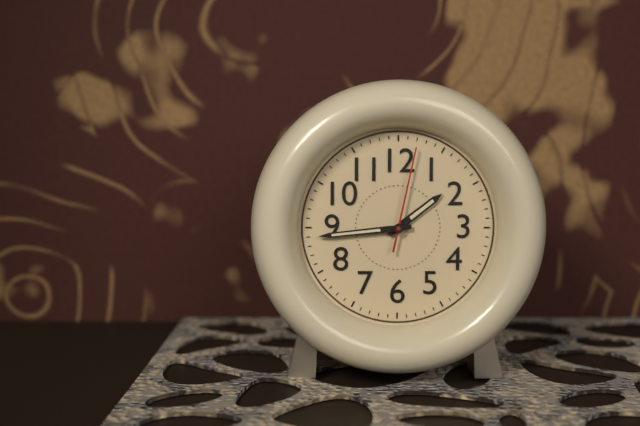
1h44m02s
